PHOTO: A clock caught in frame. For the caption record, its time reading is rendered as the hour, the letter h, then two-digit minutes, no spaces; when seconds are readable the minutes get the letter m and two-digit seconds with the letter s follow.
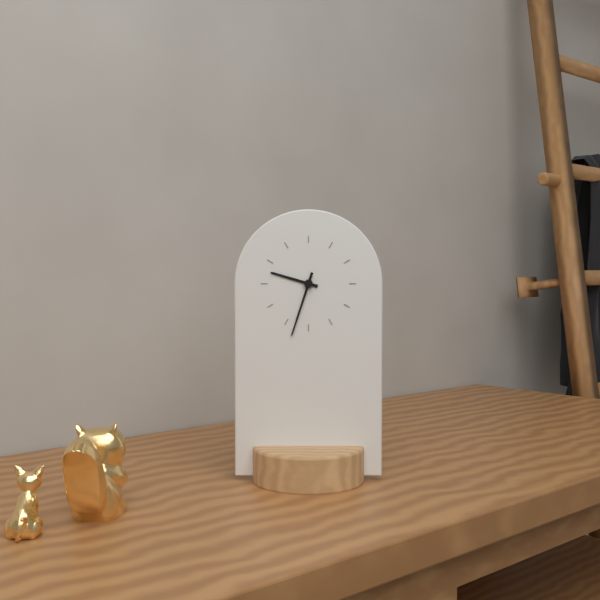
9h33
